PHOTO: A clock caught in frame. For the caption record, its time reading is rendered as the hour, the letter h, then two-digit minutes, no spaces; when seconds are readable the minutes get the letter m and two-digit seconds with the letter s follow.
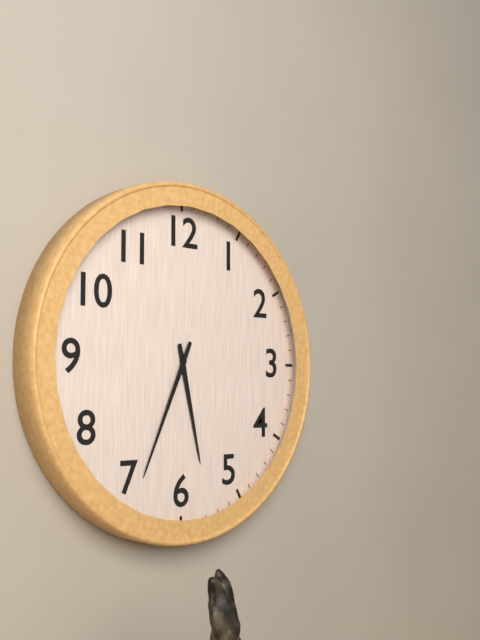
5h34
